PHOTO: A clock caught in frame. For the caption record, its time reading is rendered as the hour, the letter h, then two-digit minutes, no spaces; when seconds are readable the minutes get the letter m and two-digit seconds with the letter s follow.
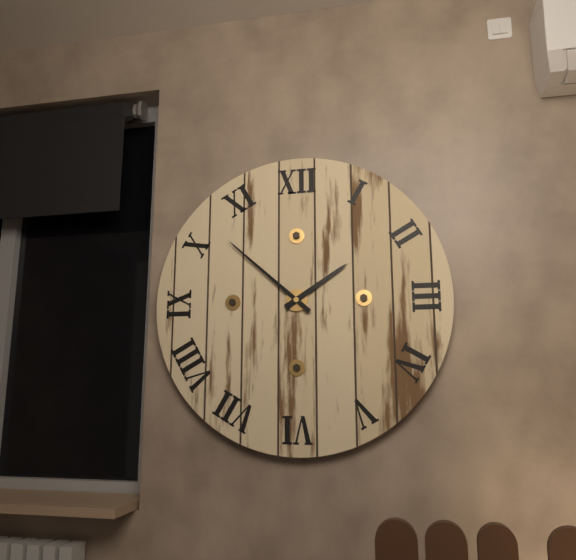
1h52
